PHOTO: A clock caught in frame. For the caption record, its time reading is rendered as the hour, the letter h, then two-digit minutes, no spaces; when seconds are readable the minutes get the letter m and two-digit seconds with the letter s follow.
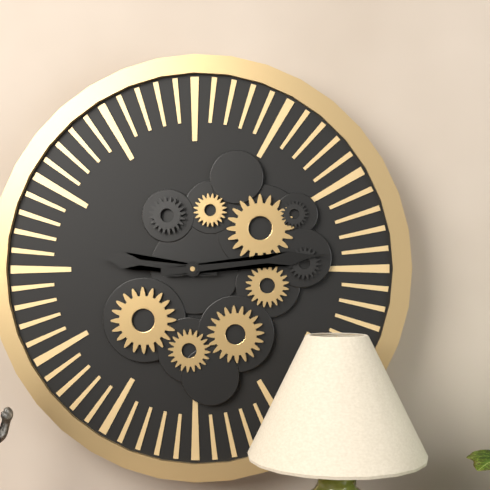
9h14
